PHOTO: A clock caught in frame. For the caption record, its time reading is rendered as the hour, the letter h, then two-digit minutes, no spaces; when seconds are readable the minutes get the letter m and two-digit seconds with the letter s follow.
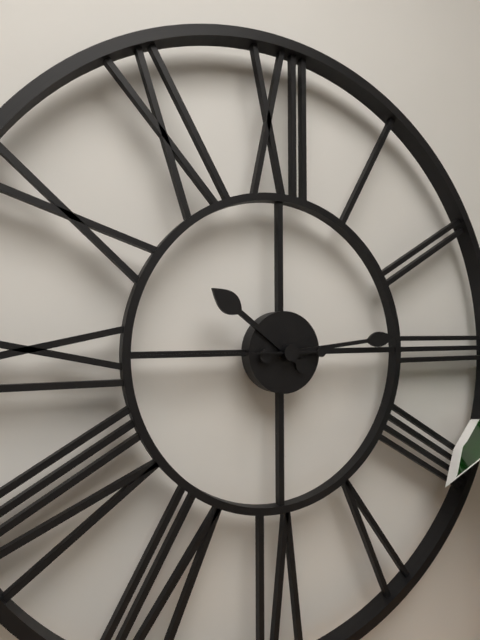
10h14m45s
